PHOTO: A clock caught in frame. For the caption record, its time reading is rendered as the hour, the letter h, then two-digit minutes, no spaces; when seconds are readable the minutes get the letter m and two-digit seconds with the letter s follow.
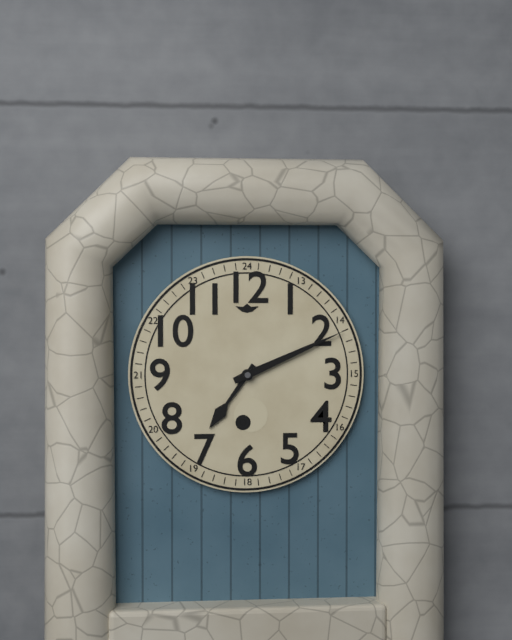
7h11
